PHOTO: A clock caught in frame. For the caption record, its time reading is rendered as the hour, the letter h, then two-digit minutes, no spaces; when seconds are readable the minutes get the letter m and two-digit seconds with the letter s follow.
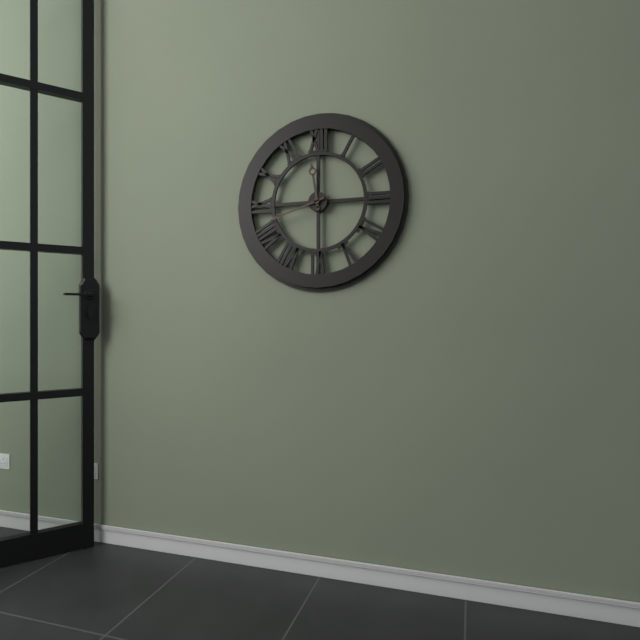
11h42
